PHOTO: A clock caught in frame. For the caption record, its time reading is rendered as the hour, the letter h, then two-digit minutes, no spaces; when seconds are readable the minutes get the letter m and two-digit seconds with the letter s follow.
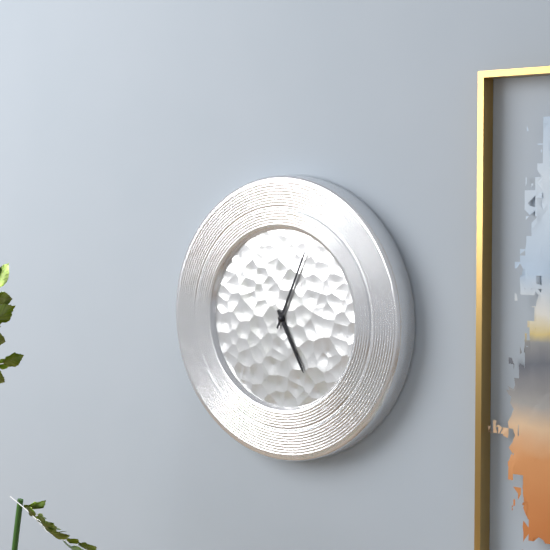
5h04
